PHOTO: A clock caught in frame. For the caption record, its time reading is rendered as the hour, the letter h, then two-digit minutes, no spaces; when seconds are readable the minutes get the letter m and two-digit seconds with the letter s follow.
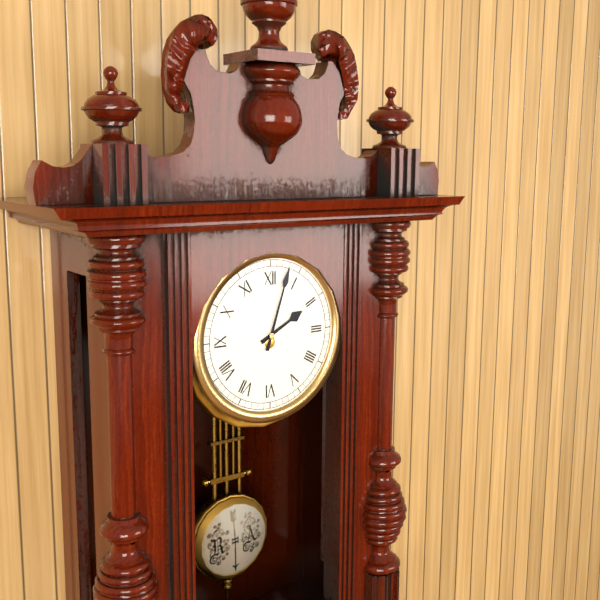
2h03
